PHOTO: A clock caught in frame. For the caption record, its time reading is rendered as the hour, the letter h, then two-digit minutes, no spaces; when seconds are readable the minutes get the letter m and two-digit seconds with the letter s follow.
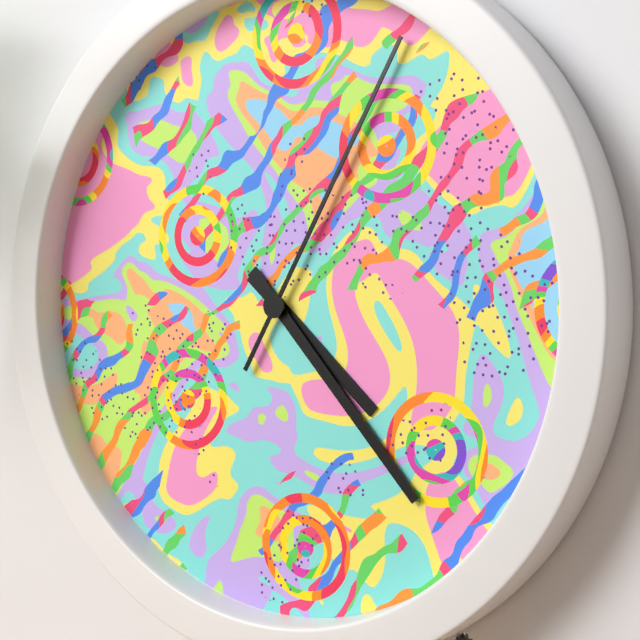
4h23m05s
